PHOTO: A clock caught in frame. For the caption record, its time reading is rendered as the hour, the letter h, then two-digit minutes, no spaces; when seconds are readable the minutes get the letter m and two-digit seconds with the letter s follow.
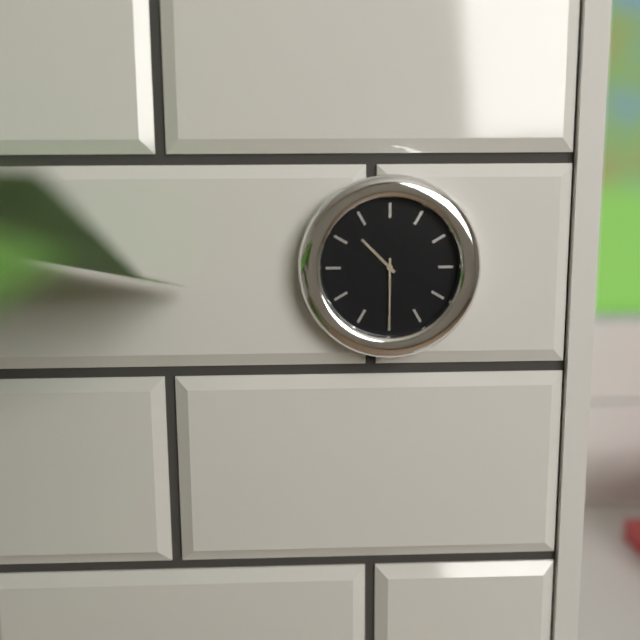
10h30
